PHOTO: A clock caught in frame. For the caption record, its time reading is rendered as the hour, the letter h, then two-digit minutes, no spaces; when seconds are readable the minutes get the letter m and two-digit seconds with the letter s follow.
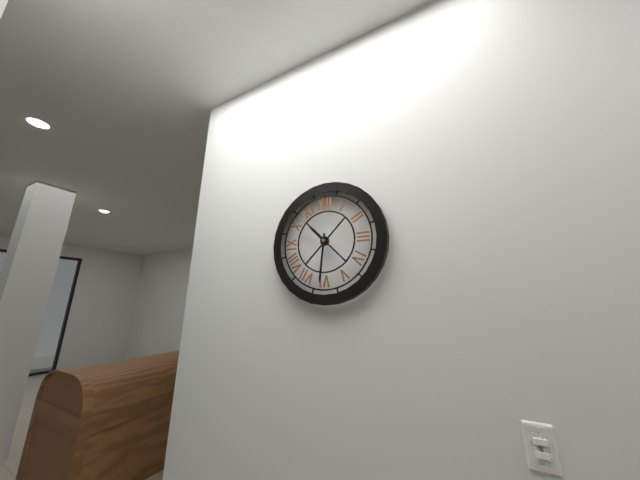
10h31
